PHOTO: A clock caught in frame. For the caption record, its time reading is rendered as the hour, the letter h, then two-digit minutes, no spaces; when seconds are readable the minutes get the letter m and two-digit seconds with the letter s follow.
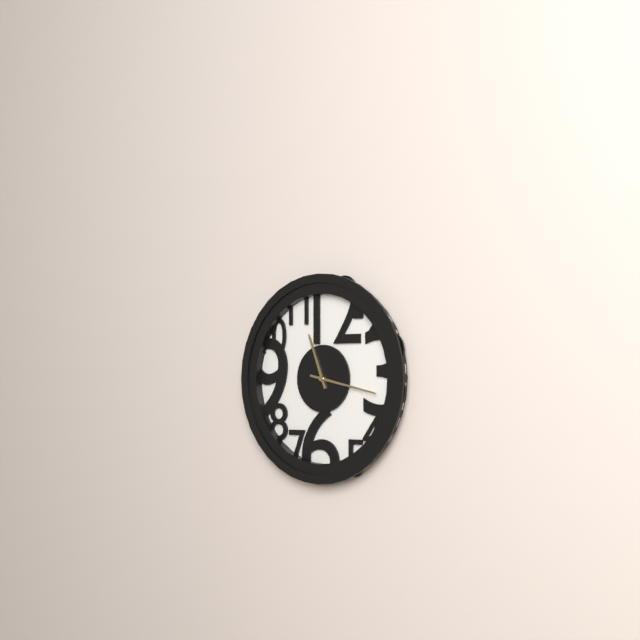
11h17
